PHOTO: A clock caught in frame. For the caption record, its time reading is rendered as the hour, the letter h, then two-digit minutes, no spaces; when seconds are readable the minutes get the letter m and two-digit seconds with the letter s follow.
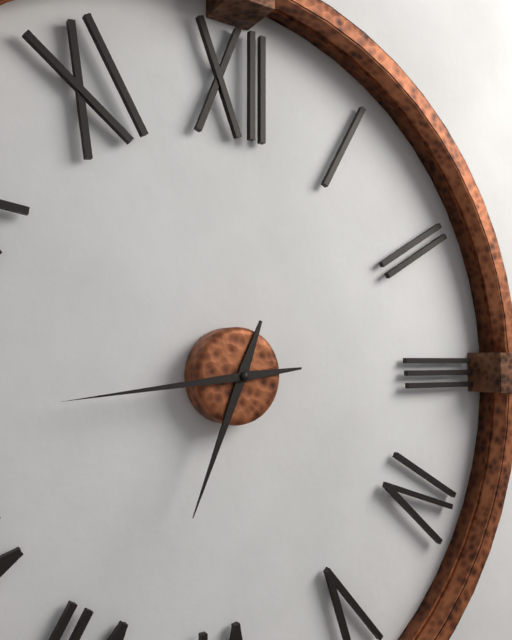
6h44
